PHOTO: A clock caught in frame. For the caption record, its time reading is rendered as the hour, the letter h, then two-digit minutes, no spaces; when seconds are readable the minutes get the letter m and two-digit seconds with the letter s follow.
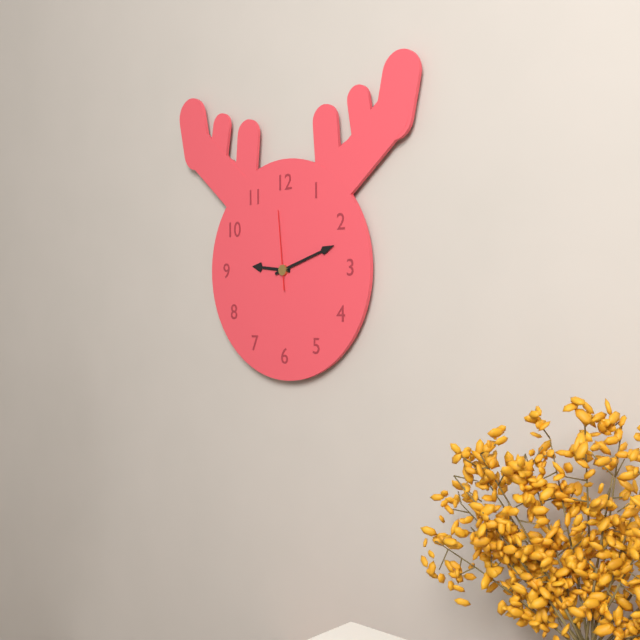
9h12m59s
